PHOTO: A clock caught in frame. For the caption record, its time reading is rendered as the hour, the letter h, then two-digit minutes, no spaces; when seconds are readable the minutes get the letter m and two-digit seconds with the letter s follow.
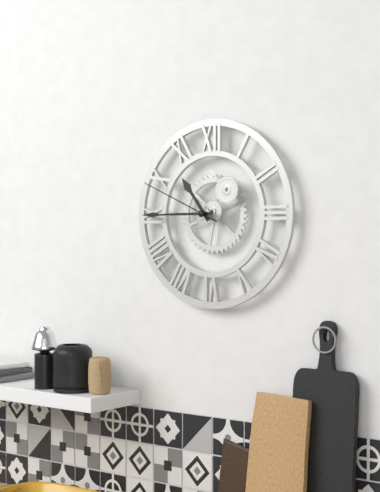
10h45m49s
